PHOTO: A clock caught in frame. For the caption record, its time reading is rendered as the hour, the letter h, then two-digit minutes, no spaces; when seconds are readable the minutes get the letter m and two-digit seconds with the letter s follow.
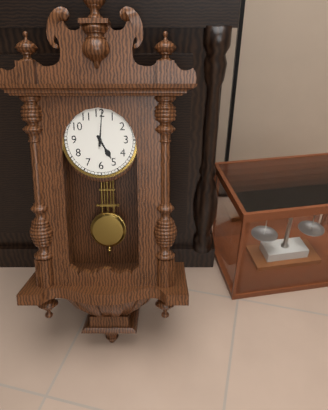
5h01
